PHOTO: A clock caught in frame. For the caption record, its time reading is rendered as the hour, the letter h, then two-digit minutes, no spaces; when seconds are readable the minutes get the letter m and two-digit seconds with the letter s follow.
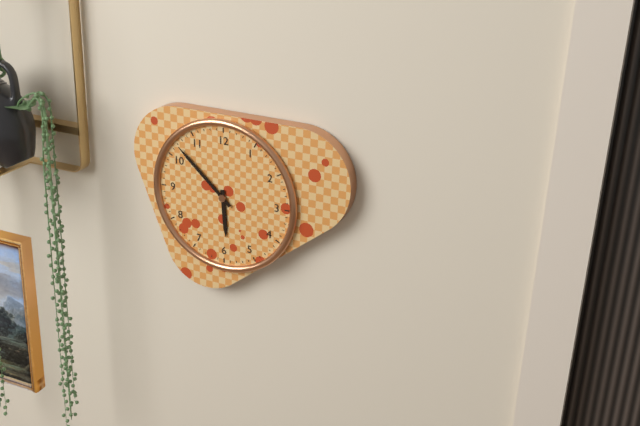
5h52
